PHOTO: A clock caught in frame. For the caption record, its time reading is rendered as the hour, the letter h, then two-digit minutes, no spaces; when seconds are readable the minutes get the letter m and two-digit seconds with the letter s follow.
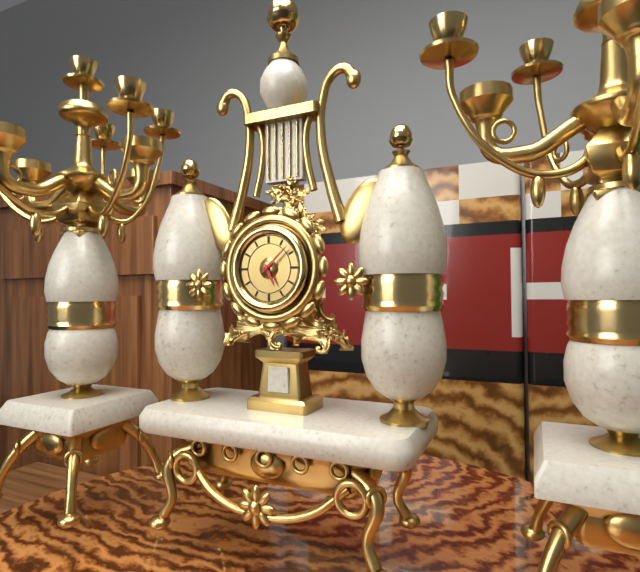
5h08
